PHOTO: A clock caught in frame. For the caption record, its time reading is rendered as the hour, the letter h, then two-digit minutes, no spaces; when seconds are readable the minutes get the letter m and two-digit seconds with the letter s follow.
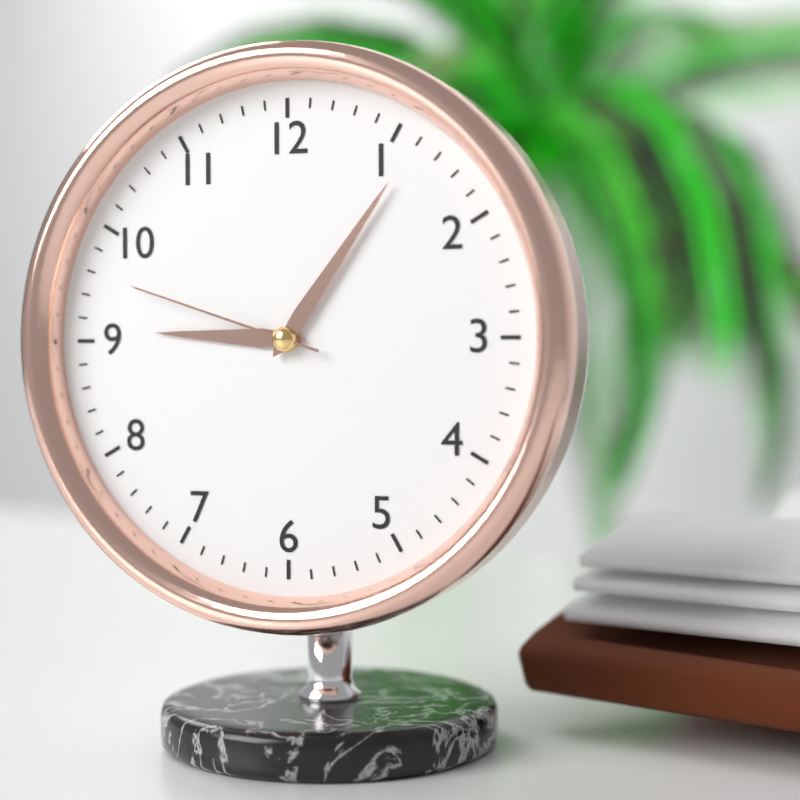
9h06m48s
